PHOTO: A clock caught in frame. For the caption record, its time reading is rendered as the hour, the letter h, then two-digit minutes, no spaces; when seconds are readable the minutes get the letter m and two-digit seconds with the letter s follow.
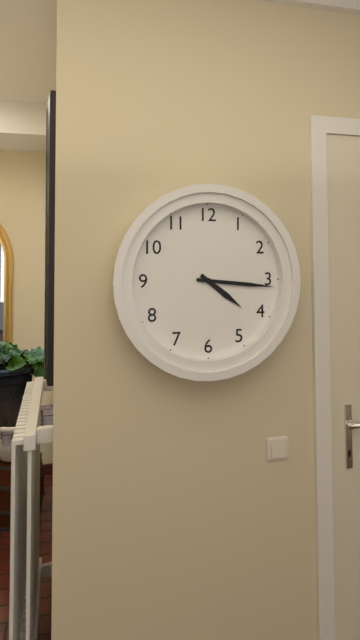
4h16
